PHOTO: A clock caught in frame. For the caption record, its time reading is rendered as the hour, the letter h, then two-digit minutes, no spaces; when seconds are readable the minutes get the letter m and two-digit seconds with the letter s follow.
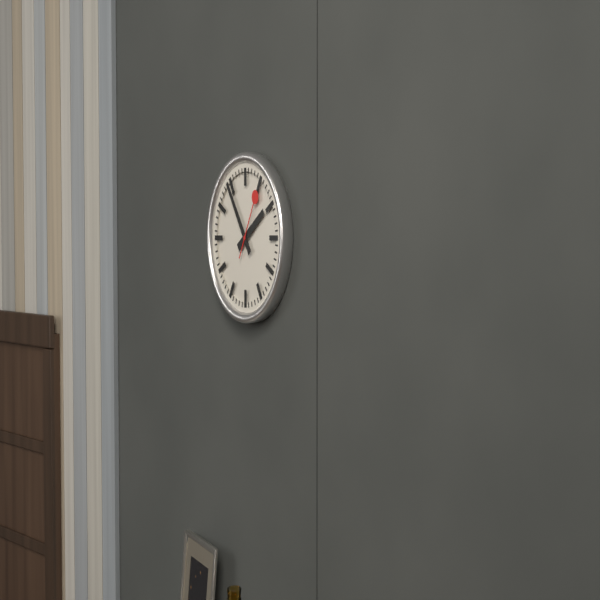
1h54m05s
